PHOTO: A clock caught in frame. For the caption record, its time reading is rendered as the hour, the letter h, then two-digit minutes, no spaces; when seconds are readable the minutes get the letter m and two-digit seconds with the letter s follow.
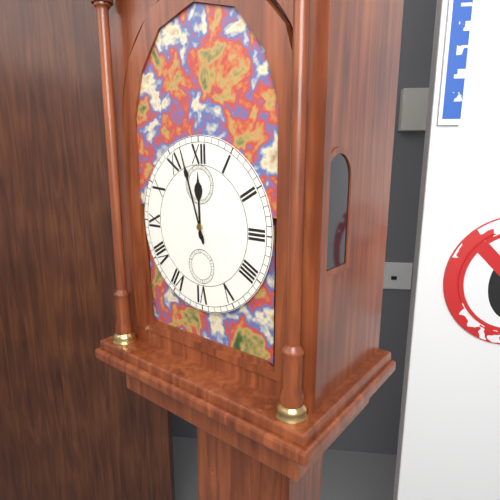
11h57
